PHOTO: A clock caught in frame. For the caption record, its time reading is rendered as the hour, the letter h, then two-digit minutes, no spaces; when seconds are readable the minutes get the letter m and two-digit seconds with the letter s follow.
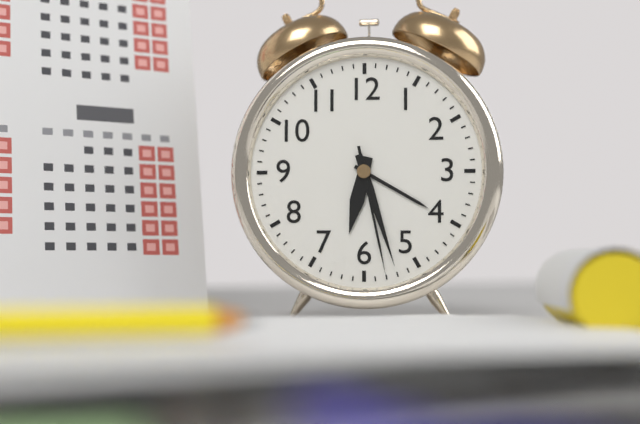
6h27m28s
